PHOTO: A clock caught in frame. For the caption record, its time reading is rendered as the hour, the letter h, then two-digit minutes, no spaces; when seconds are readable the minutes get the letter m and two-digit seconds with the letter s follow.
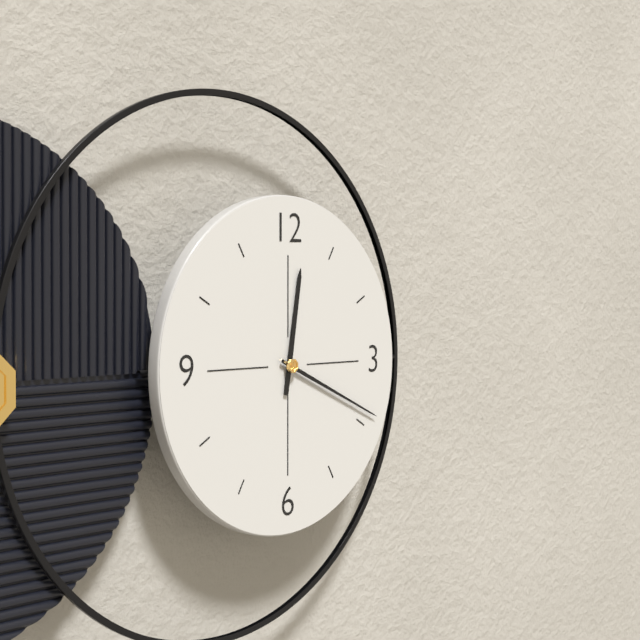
12h19
